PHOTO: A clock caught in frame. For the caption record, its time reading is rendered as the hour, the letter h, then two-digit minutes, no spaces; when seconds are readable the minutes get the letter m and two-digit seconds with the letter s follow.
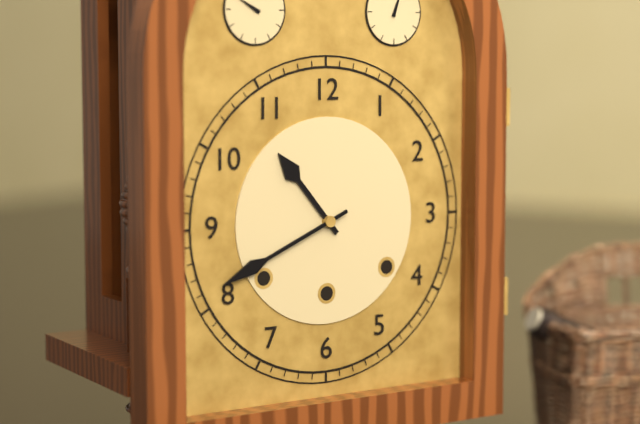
10h41
